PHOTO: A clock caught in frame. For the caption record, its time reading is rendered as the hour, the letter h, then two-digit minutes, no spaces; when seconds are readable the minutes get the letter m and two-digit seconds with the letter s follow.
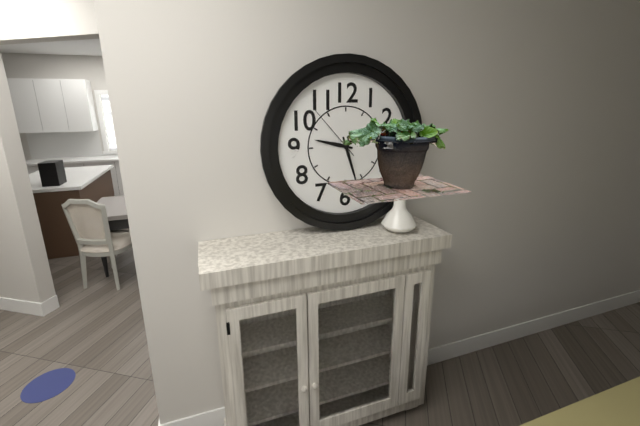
9h27m53s
